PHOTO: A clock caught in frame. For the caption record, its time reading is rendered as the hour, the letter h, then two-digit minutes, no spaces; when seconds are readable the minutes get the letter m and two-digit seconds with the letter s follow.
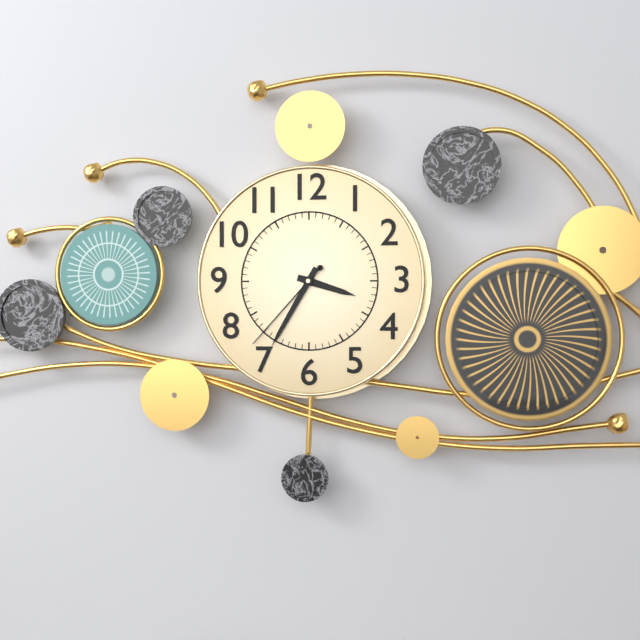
3h35m37s
